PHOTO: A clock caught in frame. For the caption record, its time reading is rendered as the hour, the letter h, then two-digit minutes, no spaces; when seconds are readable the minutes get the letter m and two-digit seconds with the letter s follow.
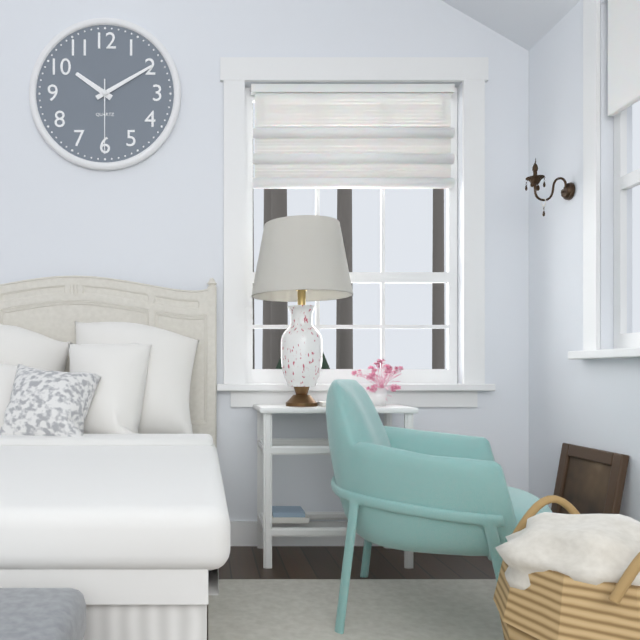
10h10m30s
